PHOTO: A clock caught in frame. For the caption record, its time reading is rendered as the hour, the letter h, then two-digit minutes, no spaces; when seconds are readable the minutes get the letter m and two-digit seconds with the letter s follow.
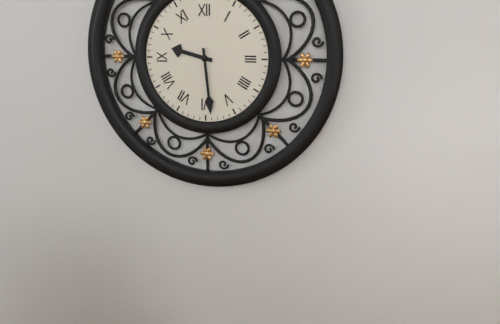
9h29
